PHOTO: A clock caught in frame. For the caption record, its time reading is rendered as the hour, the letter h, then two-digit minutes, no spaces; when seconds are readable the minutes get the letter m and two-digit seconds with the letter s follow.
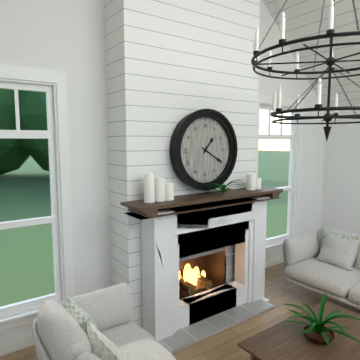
1h20
